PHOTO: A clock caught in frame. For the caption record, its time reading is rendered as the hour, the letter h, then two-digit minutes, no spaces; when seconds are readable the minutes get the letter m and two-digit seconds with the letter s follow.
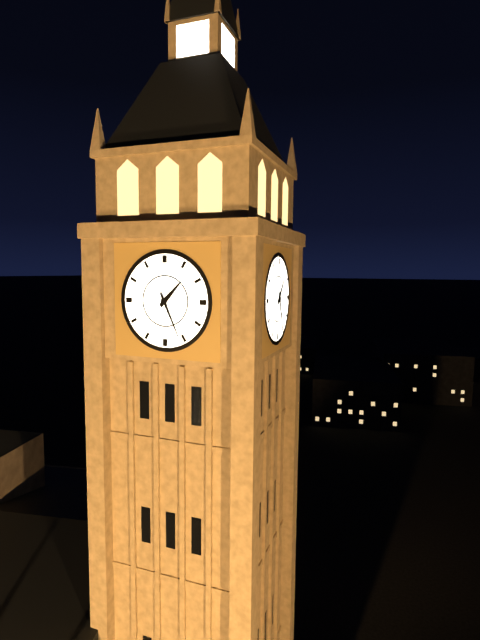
1h26
